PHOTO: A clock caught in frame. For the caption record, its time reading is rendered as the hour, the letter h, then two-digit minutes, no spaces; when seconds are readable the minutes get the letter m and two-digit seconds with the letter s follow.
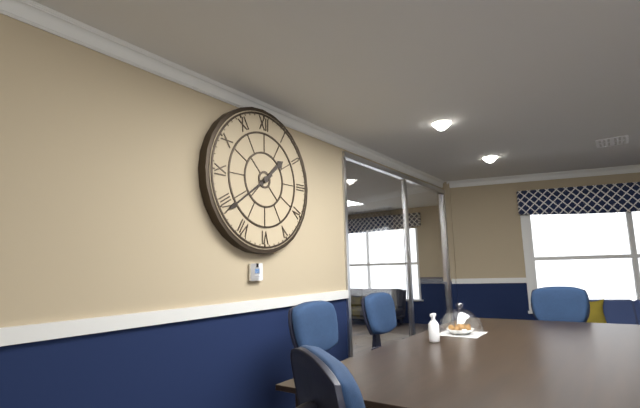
1h39
